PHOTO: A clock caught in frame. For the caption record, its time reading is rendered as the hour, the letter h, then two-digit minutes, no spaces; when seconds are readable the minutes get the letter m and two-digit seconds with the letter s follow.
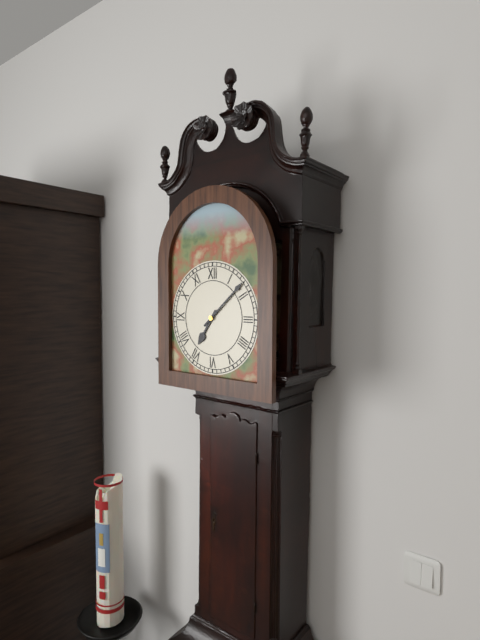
7h08
